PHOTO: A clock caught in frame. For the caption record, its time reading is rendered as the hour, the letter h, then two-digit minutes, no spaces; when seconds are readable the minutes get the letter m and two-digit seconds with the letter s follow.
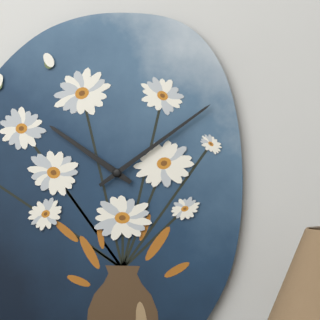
10h09
